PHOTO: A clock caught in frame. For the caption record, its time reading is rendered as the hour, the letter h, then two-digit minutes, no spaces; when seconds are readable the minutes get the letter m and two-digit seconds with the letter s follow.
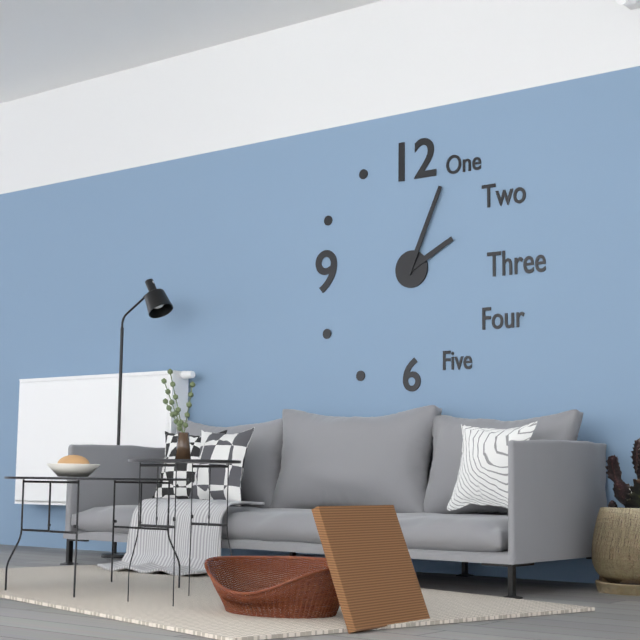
2h04
